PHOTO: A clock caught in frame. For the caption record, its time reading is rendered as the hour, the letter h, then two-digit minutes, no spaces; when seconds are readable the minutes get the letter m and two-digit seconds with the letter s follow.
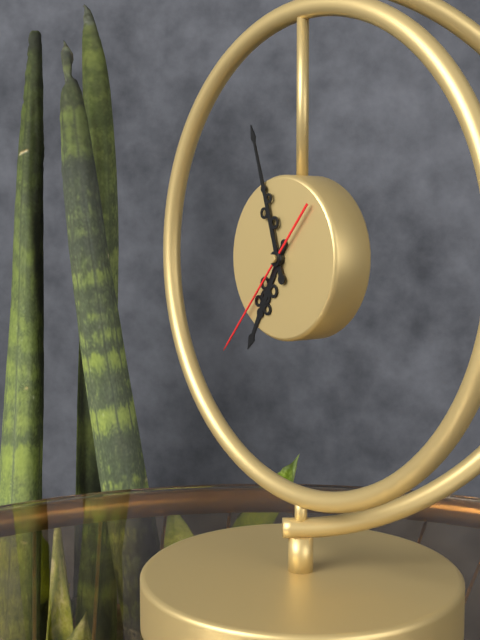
6h57m37s
